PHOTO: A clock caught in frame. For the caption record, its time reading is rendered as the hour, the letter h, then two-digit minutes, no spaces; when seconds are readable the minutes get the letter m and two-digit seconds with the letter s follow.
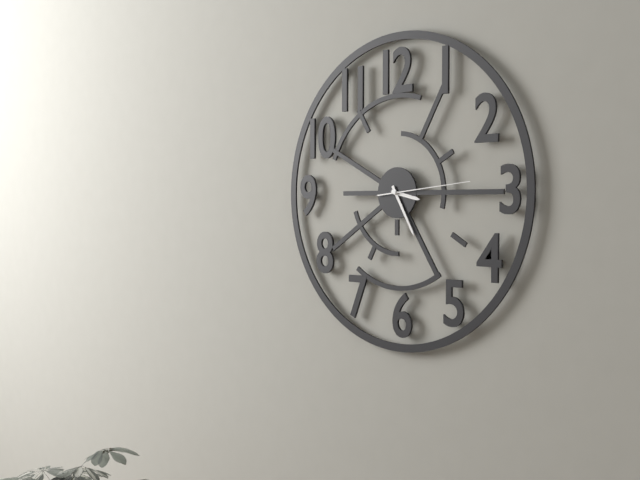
3h25m14s
